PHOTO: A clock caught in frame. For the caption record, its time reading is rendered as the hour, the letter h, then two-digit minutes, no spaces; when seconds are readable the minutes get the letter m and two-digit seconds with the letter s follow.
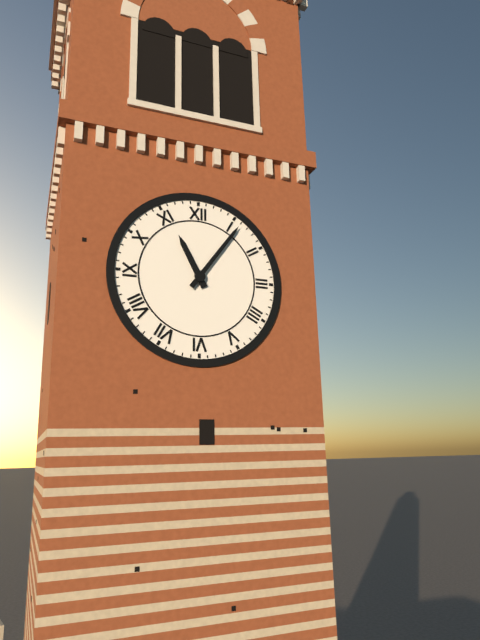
11h06
